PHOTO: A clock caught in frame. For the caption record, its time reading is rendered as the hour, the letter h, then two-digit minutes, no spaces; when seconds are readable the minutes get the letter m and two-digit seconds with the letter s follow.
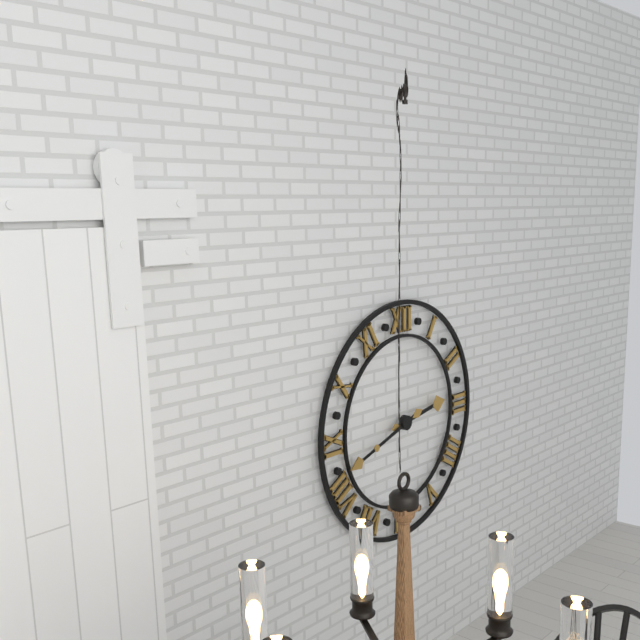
2h42
